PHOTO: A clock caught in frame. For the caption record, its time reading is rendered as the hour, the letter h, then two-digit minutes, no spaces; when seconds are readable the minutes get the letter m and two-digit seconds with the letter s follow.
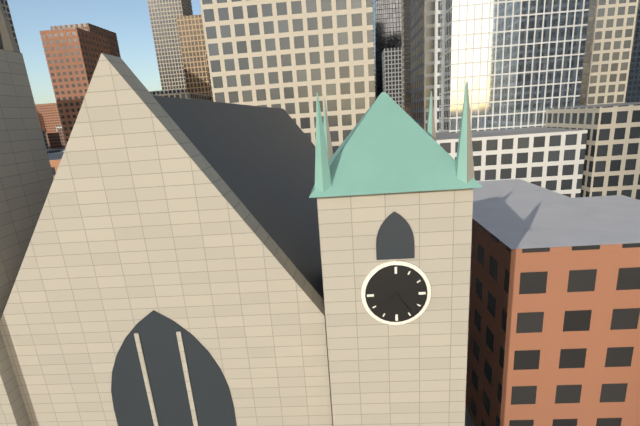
7h24
